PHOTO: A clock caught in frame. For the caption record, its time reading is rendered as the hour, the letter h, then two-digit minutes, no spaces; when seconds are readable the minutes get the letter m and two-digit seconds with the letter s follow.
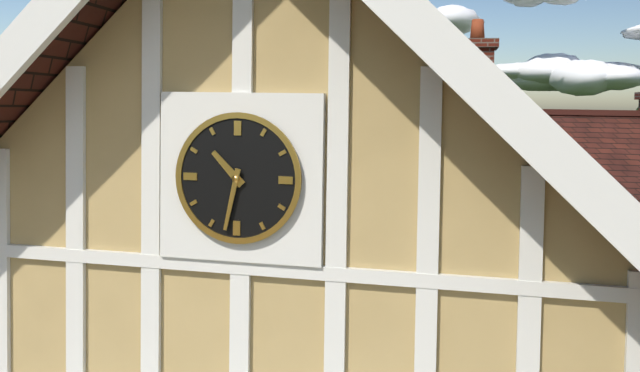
10h32
